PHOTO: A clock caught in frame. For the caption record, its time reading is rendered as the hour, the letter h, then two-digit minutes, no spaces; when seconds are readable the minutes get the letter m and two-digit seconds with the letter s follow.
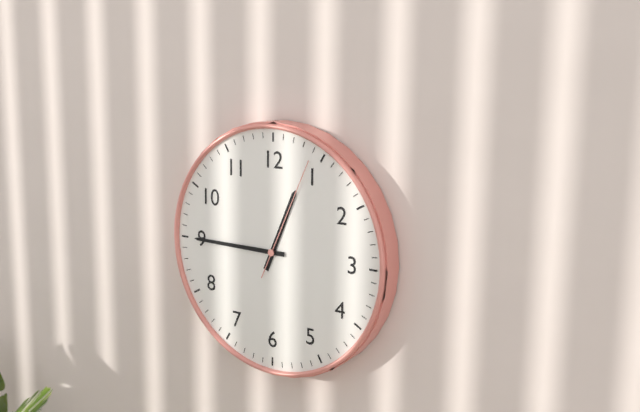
12h45m04s
